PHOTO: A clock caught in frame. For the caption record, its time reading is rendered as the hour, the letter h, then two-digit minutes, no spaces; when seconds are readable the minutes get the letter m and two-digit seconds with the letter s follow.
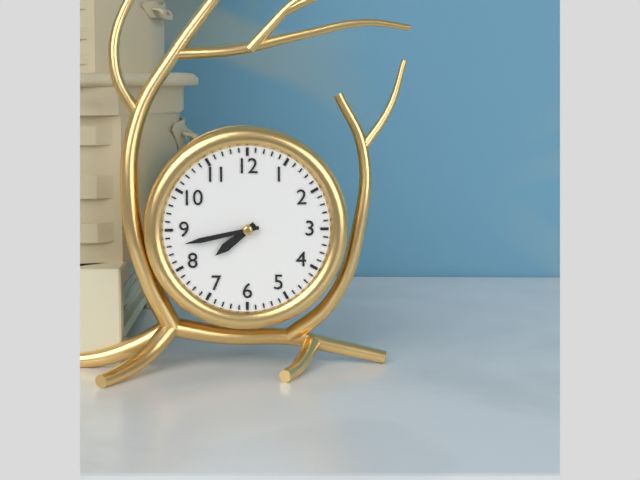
7h43
